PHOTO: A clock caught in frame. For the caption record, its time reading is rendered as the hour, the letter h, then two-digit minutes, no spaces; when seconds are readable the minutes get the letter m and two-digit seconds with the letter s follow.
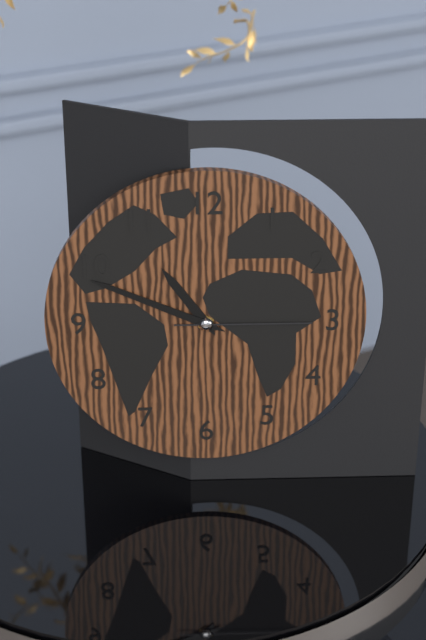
10h49m15s
